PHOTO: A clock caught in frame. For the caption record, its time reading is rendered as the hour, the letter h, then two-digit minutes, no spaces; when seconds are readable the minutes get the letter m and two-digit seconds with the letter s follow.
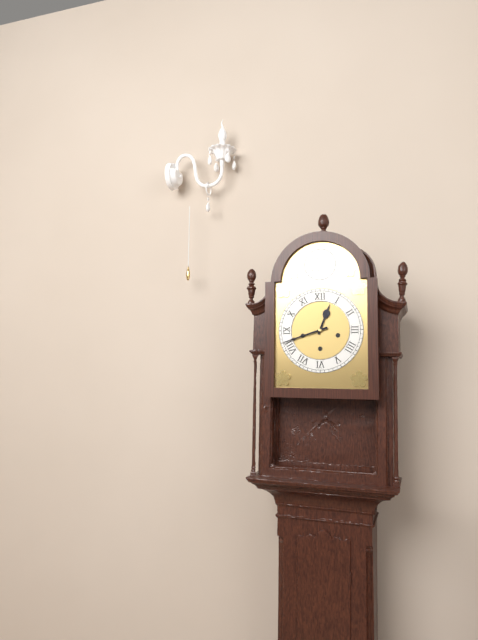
12h42
